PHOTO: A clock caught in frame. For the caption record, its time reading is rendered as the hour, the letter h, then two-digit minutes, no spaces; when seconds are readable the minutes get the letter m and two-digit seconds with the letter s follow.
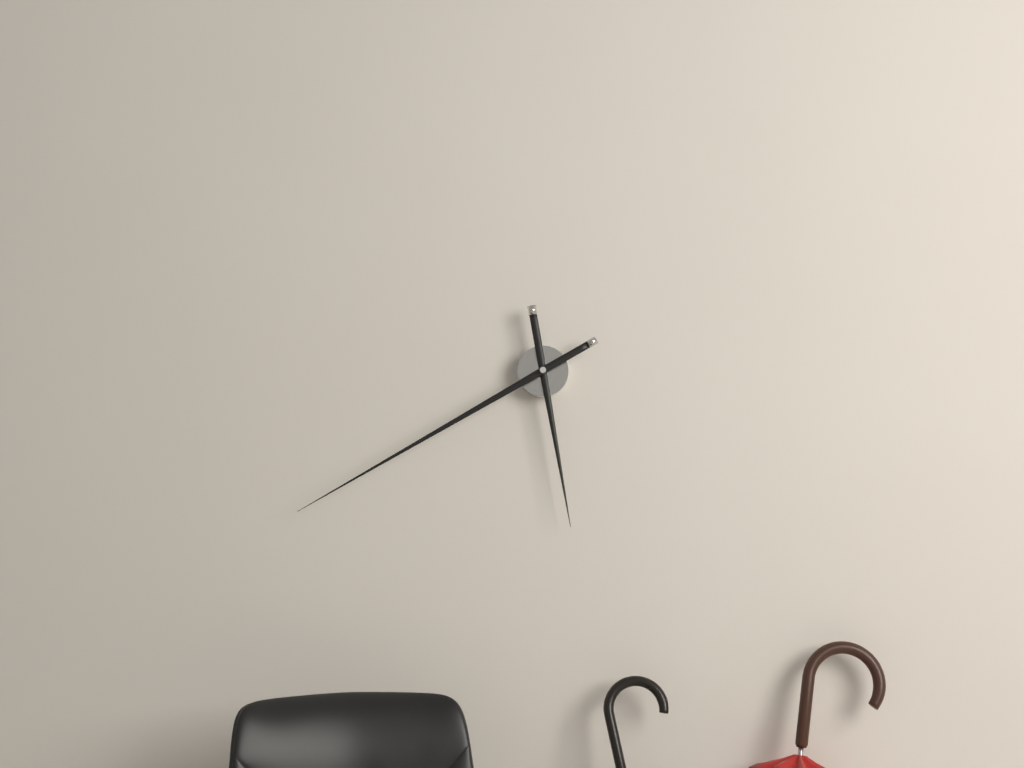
5h40
